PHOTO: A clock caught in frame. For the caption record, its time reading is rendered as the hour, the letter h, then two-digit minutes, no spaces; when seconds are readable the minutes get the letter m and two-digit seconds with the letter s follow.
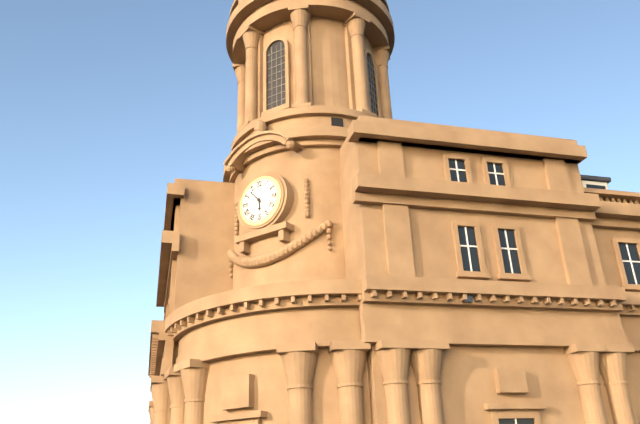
5h53
